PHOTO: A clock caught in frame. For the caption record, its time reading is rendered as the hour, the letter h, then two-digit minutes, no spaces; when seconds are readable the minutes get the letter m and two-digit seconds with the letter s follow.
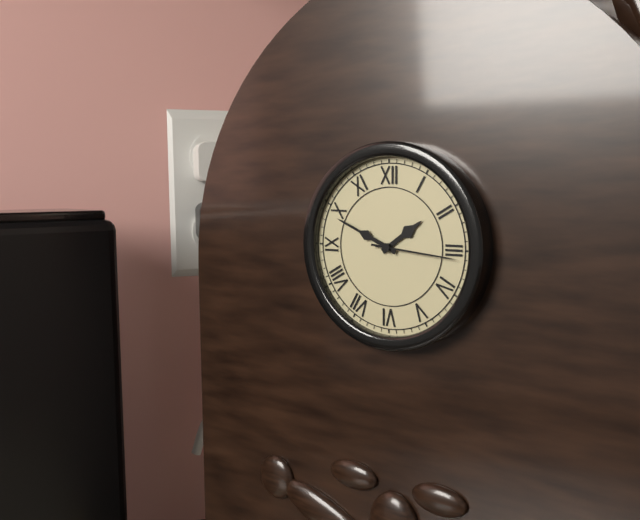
1h49m16s
